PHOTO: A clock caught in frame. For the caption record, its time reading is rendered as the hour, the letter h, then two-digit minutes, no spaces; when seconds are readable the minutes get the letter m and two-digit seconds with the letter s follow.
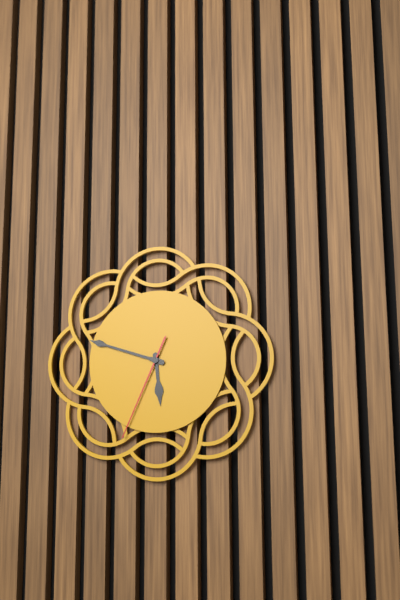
5h48m34s
